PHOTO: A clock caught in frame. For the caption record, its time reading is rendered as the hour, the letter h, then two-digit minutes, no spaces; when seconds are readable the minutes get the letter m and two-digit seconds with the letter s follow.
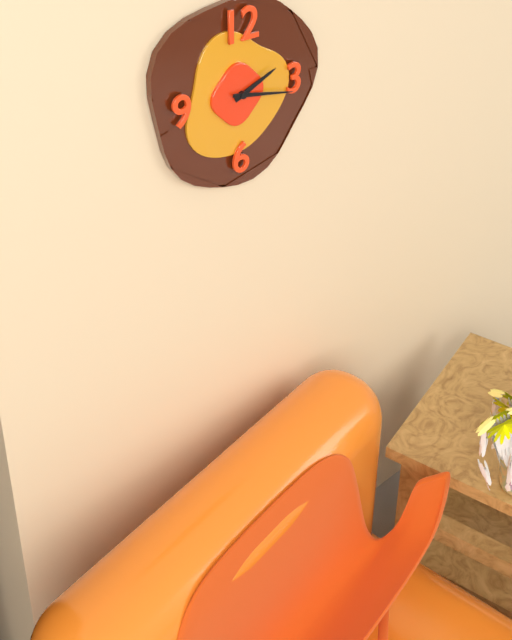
2h17
